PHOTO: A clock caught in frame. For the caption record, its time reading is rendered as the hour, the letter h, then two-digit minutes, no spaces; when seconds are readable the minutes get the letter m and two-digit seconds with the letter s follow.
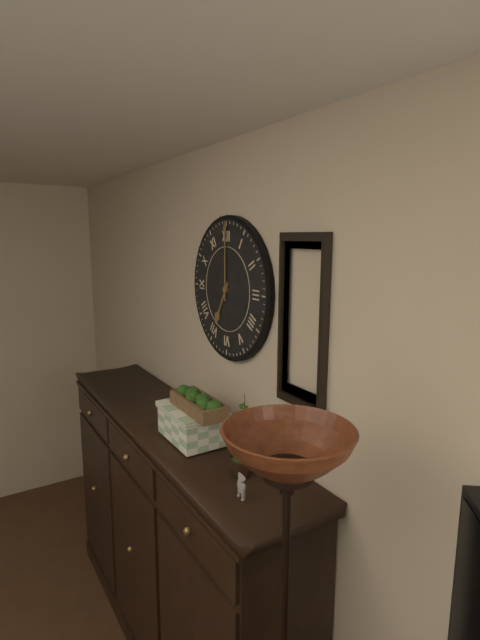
7h00
